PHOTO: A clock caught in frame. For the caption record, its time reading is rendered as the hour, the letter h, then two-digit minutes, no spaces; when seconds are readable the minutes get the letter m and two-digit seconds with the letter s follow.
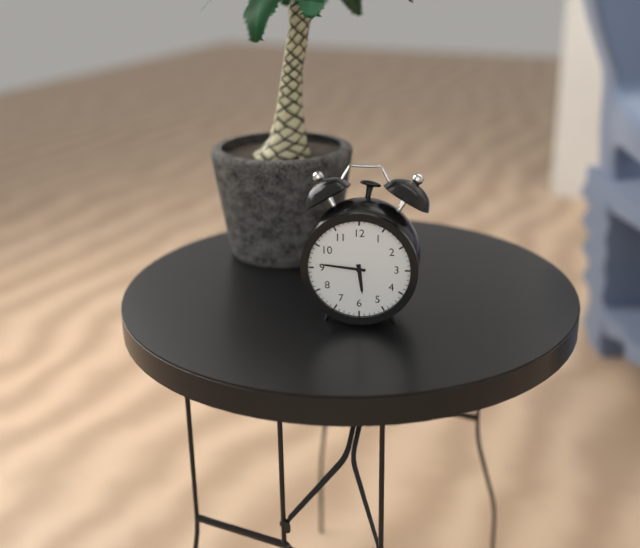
5h46
